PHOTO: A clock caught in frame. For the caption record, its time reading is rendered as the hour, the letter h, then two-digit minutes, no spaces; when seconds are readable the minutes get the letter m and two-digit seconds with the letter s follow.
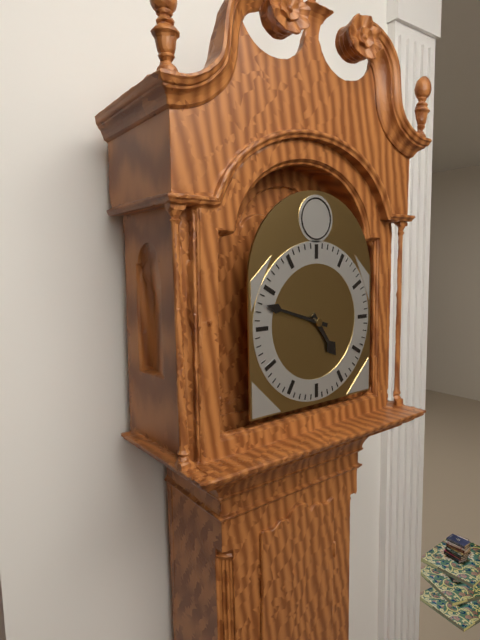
4h48
